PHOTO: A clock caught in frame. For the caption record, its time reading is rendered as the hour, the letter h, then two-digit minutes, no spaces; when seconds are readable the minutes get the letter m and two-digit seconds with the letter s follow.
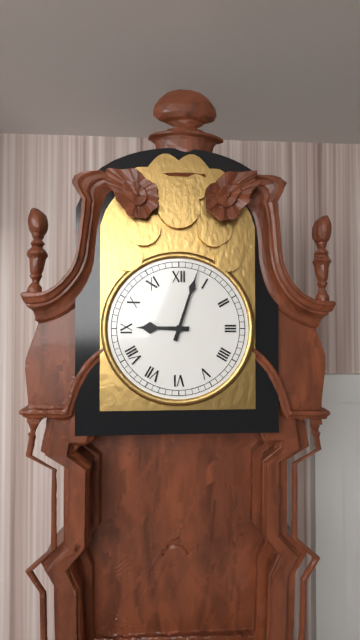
9h03
